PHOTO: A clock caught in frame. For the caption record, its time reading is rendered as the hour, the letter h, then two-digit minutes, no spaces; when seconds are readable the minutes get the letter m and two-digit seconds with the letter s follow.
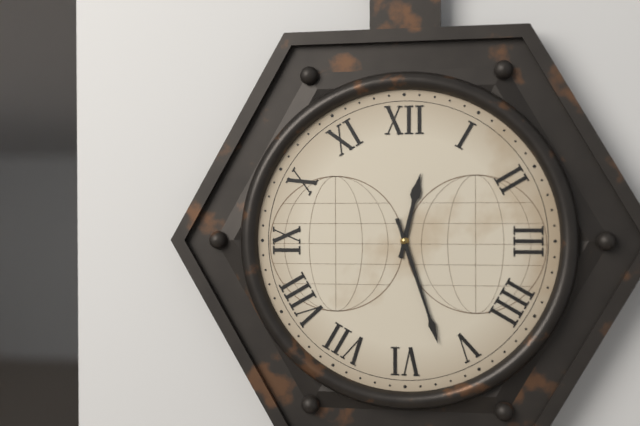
12h27
